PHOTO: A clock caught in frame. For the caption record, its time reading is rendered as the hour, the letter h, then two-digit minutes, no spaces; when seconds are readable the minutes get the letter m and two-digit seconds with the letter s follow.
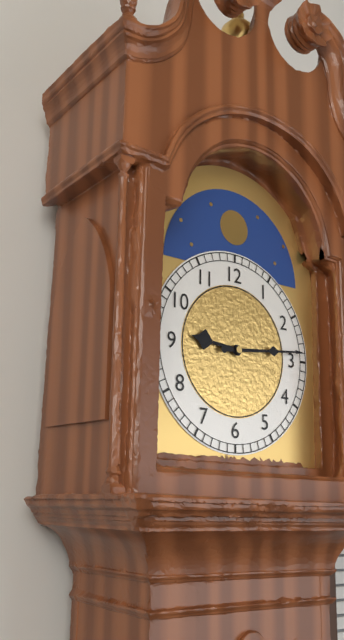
9h14
